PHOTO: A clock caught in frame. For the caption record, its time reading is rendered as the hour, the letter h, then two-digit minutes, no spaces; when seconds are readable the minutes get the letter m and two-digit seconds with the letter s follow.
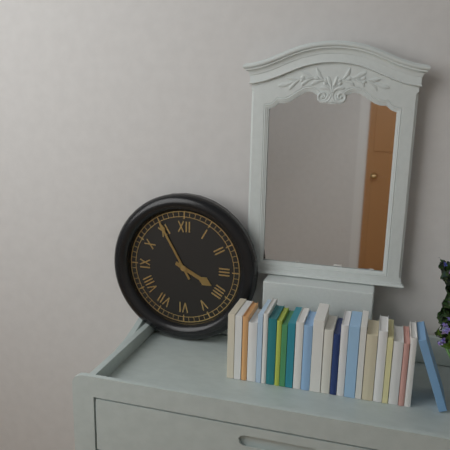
3h55
